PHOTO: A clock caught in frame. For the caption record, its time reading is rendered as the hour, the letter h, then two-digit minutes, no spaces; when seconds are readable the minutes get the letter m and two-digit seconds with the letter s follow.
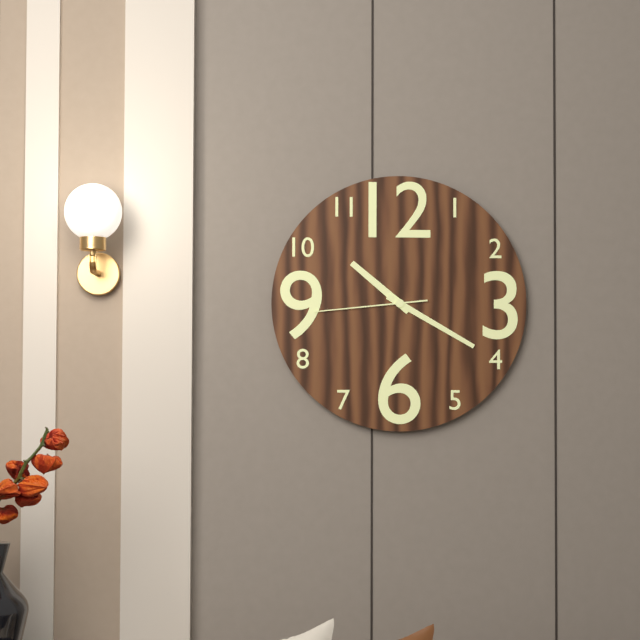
10h20m44s
